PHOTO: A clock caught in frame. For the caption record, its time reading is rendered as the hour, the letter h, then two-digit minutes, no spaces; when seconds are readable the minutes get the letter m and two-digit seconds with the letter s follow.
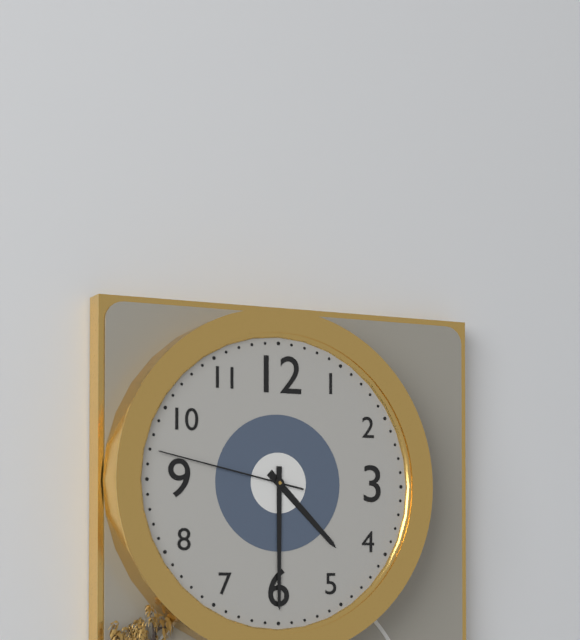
4h30m47s
